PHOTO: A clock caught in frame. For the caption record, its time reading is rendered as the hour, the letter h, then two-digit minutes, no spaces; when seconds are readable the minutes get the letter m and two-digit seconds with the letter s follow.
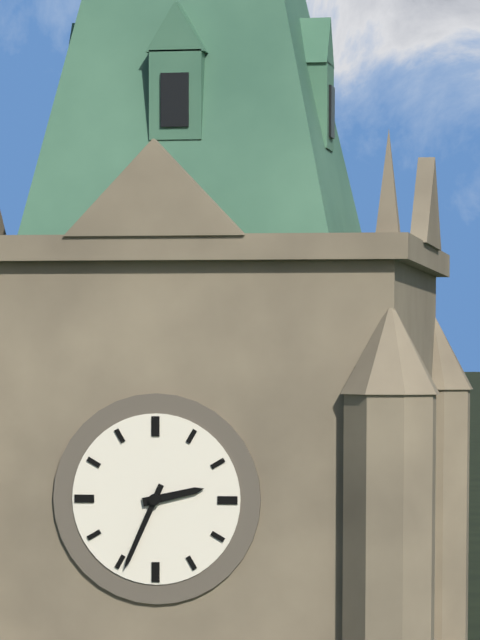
2h34
